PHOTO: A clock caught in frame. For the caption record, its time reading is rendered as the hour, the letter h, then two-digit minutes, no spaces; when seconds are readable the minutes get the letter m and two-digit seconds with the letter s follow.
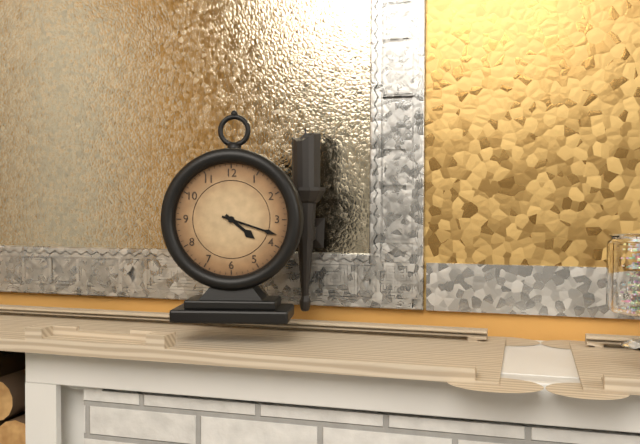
4h18
